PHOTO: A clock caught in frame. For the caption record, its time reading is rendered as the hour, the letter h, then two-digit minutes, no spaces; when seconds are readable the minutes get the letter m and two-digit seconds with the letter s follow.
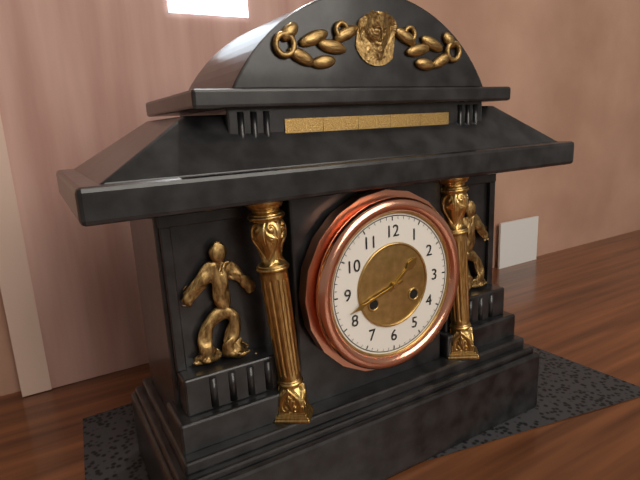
1h42
